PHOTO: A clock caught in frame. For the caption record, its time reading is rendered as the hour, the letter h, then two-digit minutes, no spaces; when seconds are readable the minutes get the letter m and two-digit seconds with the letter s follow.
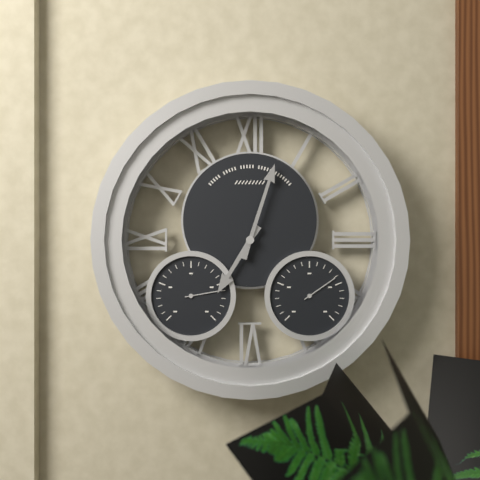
7h03
